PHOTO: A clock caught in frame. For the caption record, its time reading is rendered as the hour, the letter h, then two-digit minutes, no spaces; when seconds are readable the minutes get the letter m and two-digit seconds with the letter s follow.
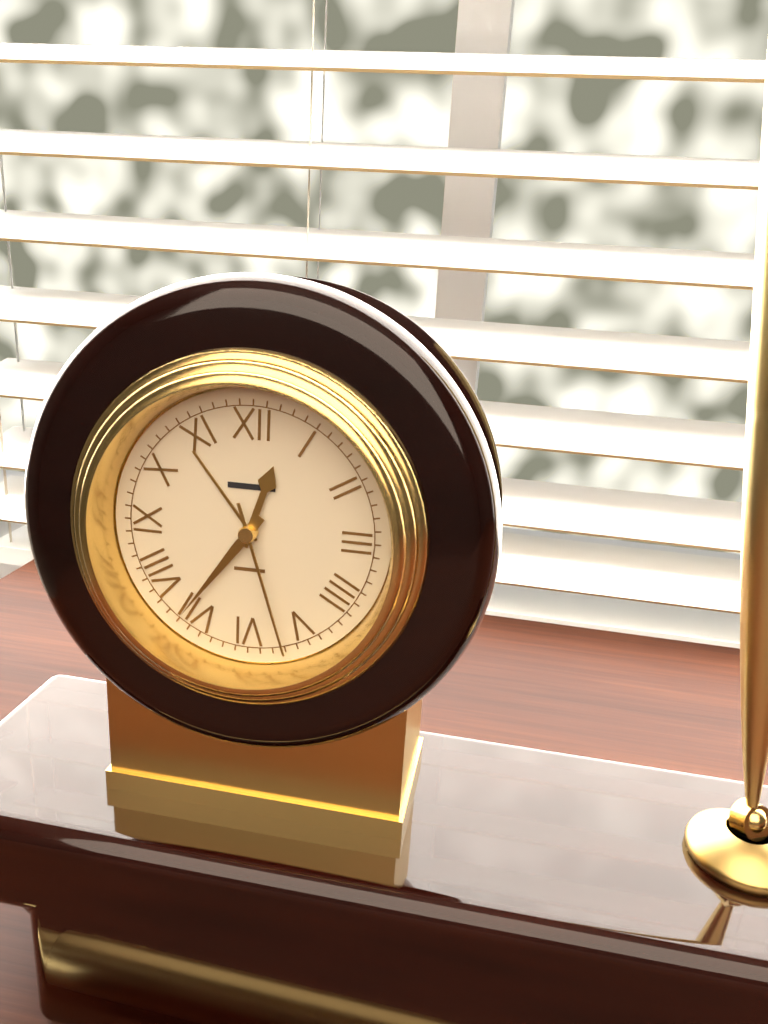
12h36m27s
